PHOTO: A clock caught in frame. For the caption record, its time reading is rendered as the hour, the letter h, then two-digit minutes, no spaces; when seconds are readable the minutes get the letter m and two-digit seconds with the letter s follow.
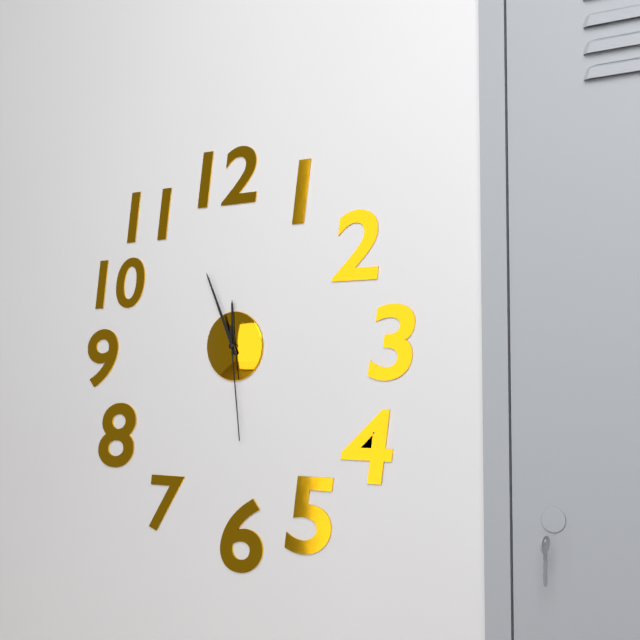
11h56m29s
